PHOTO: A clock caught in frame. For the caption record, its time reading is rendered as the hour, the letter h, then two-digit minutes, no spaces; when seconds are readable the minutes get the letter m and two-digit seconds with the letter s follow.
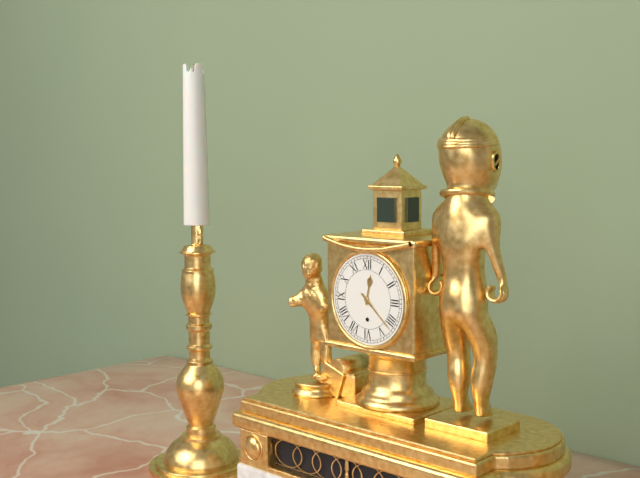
12h22
